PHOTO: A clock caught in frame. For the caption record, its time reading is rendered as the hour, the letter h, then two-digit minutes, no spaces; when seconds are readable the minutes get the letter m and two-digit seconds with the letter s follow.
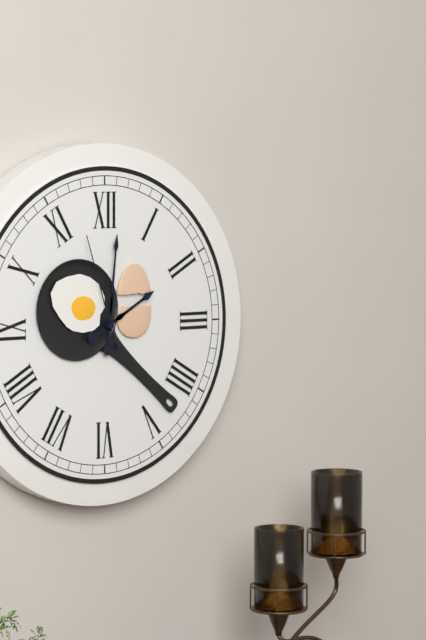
2h01m57s
